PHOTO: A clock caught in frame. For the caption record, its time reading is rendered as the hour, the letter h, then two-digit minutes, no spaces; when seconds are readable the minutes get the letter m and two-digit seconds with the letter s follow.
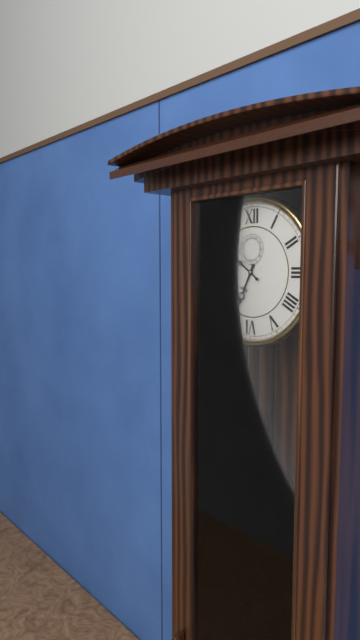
6h51
